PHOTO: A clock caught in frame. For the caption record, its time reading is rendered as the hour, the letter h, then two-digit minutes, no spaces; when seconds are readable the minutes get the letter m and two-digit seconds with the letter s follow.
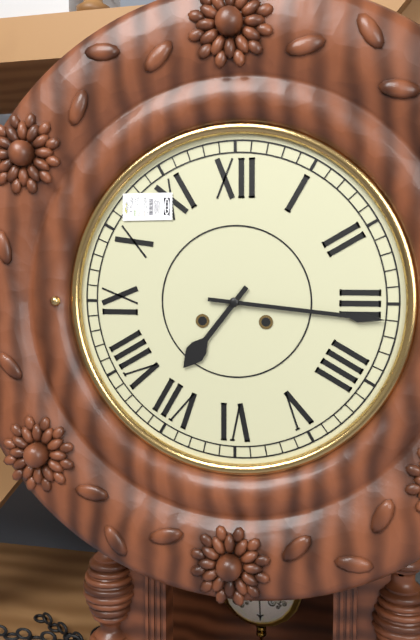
7h16
